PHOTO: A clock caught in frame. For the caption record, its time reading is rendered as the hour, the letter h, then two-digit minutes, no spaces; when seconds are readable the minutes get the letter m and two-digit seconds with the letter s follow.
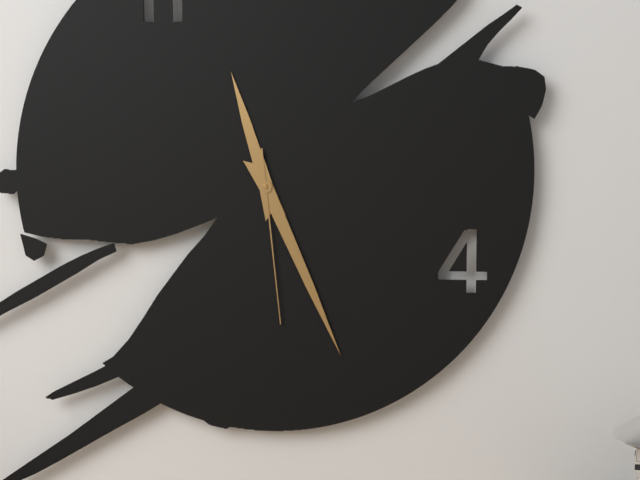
11h26m29s
